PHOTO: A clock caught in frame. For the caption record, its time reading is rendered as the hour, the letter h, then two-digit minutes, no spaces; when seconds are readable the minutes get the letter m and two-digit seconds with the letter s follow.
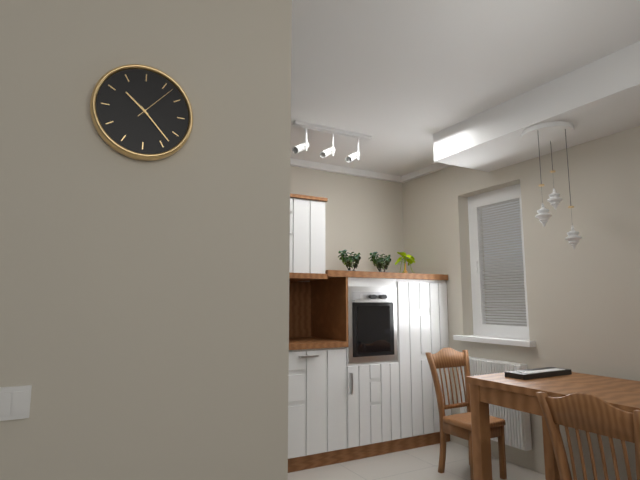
10h23
